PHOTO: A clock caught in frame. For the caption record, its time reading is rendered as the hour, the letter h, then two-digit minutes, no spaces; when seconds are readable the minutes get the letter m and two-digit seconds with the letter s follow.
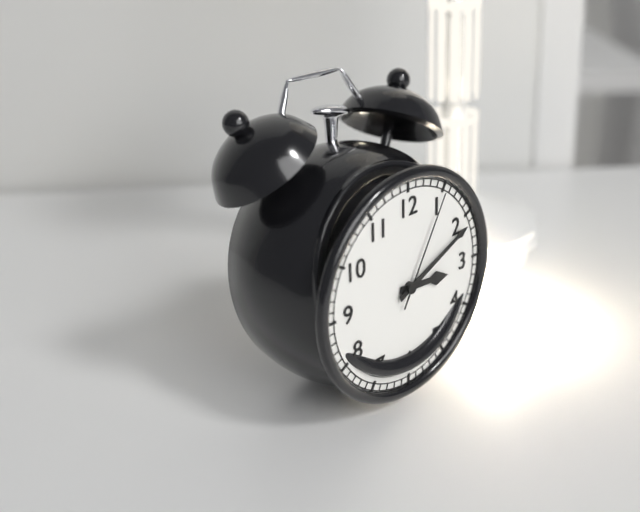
3h11m05s
